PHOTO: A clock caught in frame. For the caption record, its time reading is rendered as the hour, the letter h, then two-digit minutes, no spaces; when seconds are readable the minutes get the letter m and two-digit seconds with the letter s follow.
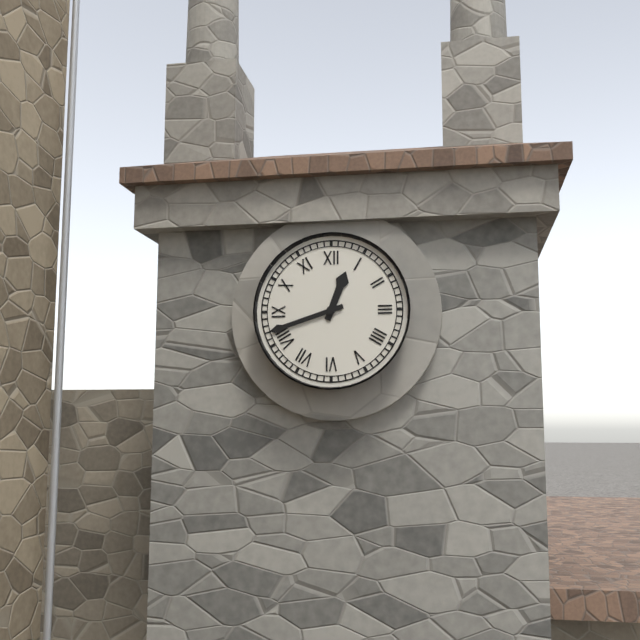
12h42
